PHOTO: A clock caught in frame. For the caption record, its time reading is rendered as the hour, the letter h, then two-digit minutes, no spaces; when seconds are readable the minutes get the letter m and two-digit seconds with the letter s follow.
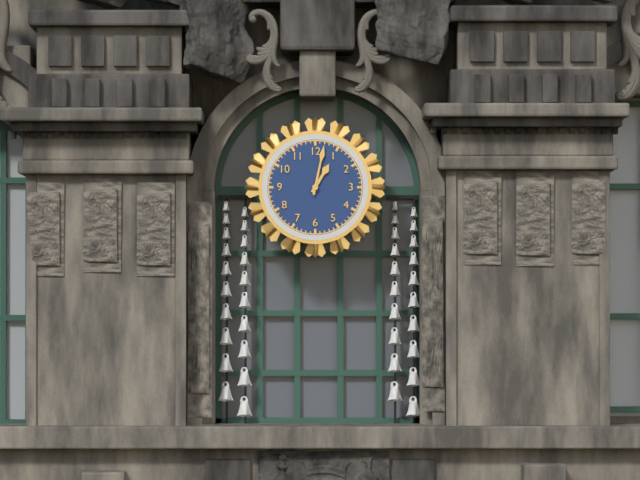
1h02
